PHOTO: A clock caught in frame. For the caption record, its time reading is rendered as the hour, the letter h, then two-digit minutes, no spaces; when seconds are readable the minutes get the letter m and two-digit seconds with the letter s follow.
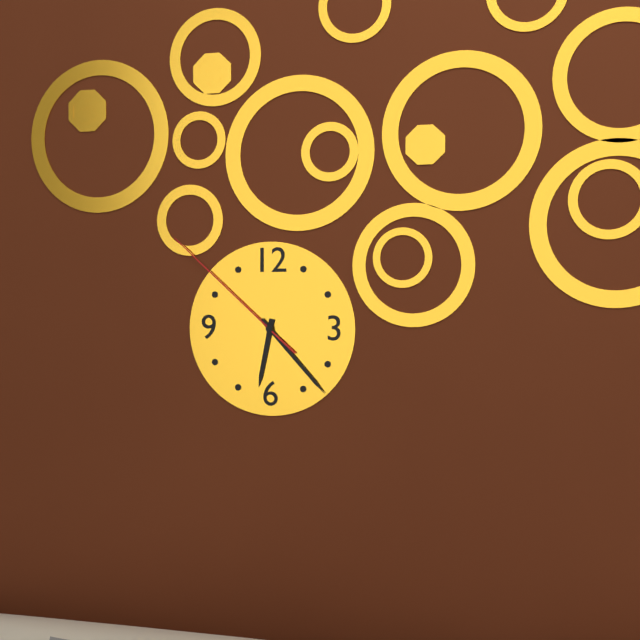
6h23m52s
